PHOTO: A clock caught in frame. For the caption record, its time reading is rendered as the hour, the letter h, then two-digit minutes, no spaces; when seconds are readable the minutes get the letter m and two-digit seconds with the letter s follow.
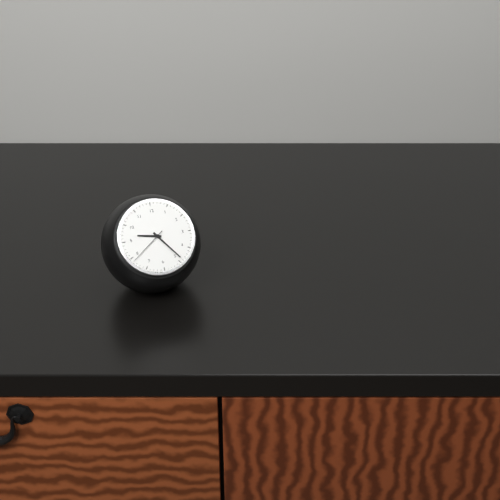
9h24
